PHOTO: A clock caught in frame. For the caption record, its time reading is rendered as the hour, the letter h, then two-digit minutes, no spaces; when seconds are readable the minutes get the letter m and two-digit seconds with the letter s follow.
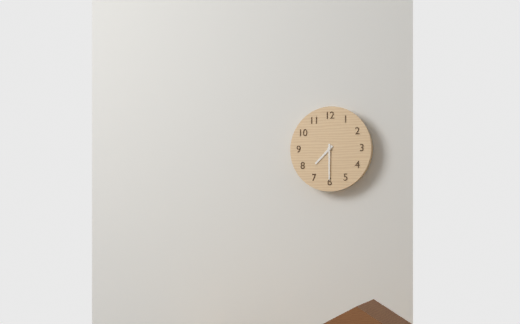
7h30
